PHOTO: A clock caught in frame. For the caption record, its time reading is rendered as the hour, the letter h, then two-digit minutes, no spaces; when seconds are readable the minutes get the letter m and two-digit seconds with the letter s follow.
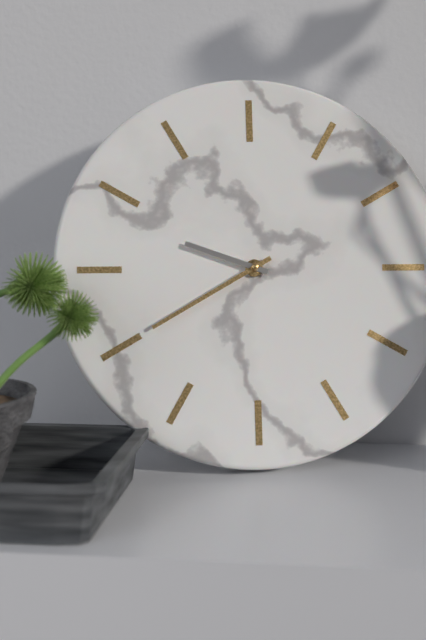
9h40
